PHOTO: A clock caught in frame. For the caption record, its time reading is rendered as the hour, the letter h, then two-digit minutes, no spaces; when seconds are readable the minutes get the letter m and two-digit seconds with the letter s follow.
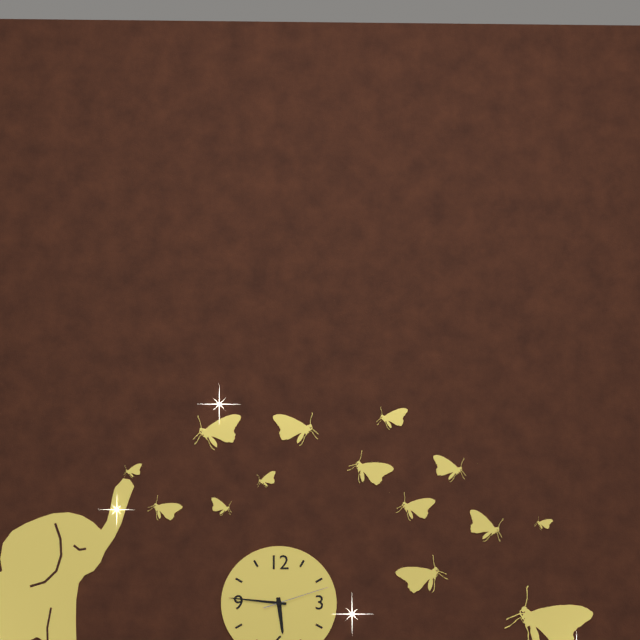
5h46m12s
